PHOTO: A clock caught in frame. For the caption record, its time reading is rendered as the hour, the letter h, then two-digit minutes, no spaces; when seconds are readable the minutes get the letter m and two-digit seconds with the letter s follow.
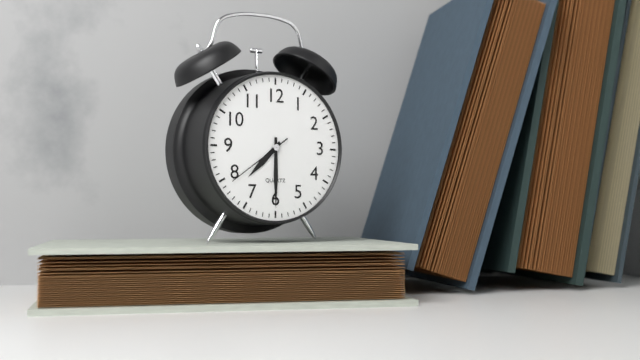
7h30m39s
